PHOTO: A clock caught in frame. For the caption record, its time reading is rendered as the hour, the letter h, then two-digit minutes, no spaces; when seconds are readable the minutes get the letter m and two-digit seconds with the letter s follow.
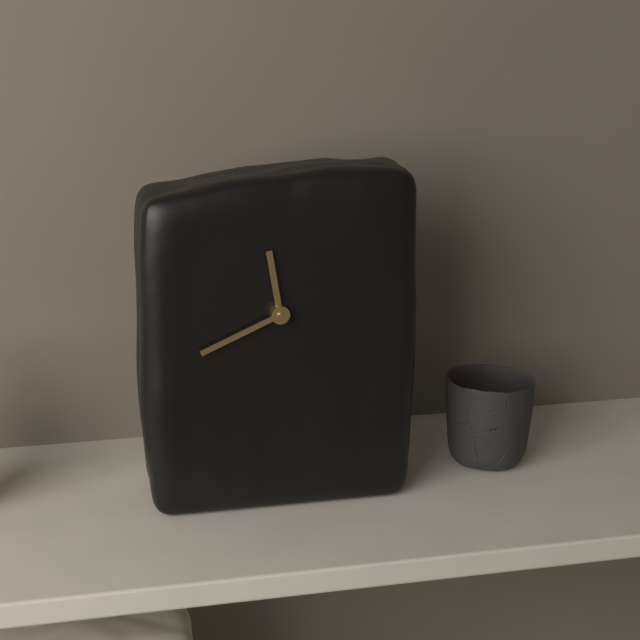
11h41
